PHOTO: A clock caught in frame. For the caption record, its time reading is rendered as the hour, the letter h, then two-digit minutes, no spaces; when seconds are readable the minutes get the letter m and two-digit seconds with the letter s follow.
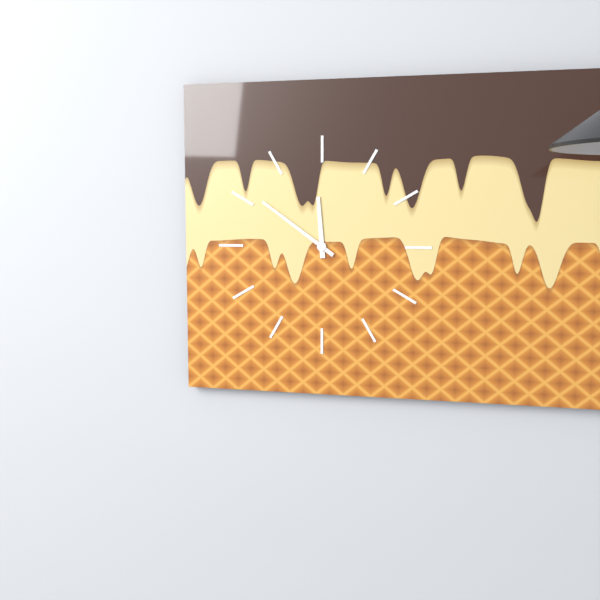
11h51
